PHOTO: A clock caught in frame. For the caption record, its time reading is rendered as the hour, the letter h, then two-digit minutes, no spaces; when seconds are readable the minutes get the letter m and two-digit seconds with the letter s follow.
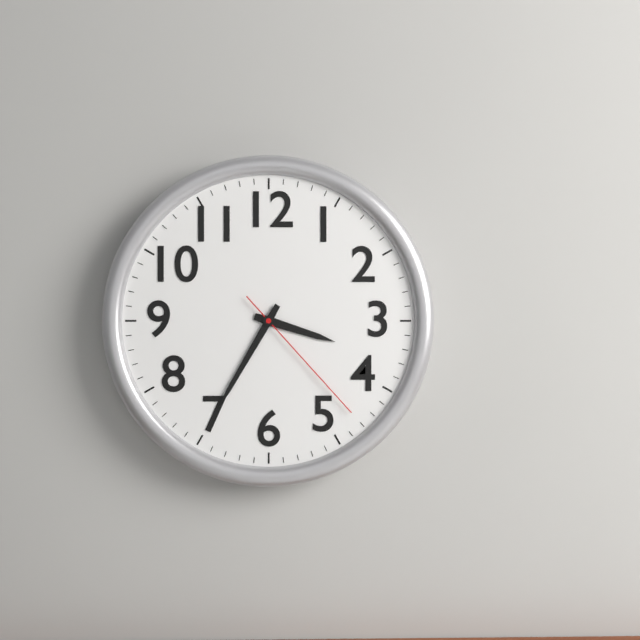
3h35m23s
